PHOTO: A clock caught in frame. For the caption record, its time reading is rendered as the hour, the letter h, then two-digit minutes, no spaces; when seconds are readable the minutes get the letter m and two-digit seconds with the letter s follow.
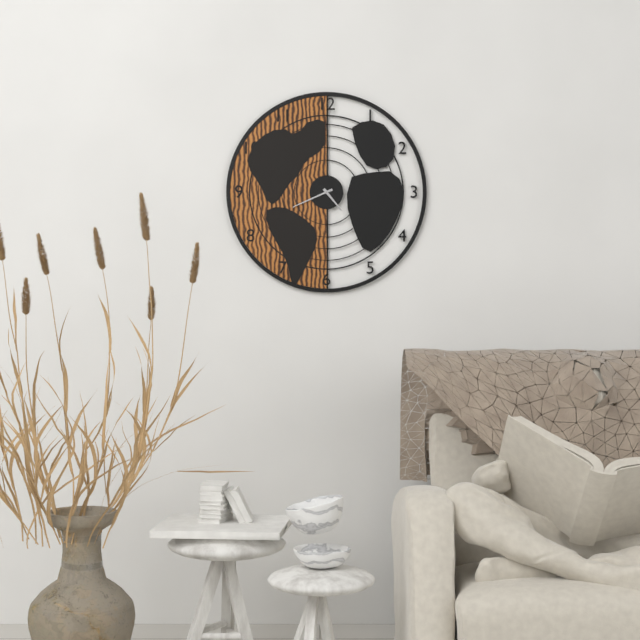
4h41
